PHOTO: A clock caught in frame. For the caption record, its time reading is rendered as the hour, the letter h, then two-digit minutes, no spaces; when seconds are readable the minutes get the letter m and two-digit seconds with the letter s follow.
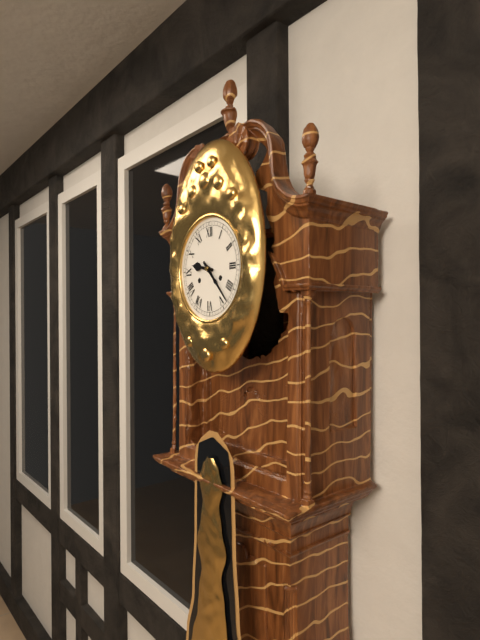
9h23
